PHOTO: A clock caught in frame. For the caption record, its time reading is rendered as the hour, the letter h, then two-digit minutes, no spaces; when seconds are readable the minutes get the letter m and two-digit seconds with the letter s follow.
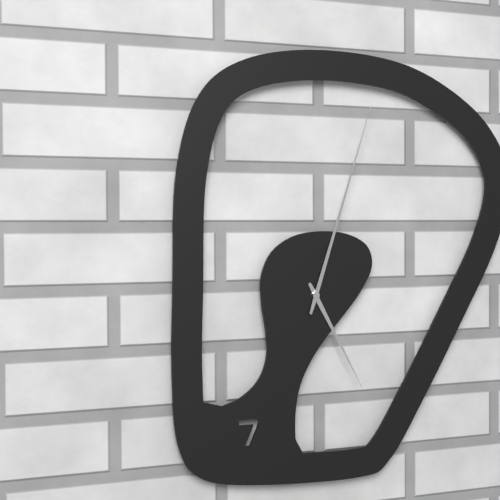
5h03
